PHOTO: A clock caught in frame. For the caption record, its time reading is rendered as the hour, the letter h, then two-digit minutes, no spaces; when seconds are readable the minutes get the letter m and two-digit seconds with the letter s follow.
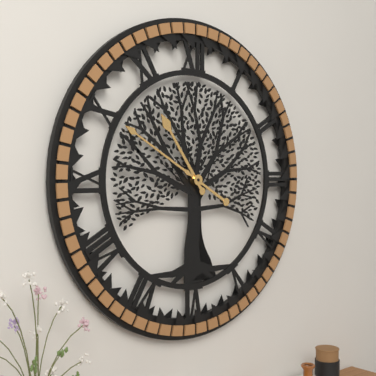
10h50
